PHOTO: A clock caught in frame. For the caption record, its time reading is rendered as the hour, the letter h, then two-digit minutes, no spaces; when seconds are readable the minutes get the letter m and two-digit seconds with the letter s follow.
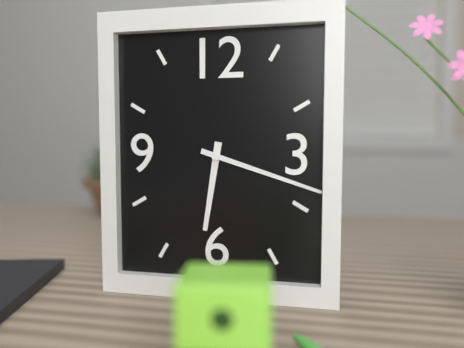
6h18
